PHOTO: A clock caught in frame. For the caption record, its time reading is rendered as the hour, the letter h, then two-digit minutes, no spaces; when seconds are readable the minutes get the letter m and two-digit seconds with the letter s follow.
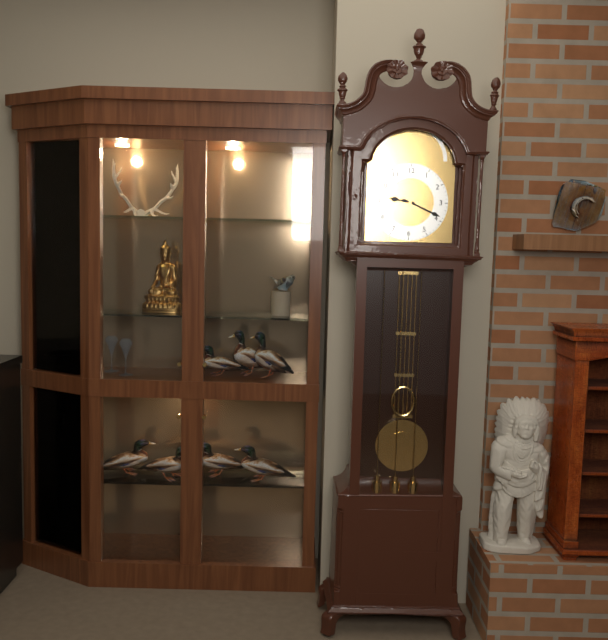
9h19
